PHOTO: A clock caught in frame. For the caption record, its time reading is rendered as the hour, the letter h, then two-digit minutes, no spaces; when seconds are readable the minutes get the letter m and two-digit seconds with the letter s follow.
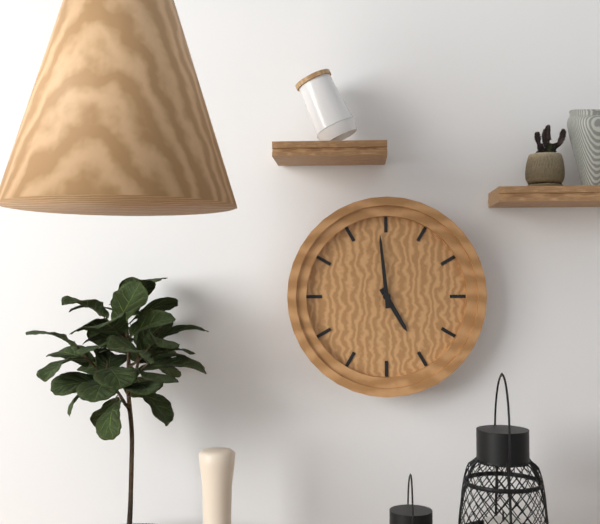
4h59
